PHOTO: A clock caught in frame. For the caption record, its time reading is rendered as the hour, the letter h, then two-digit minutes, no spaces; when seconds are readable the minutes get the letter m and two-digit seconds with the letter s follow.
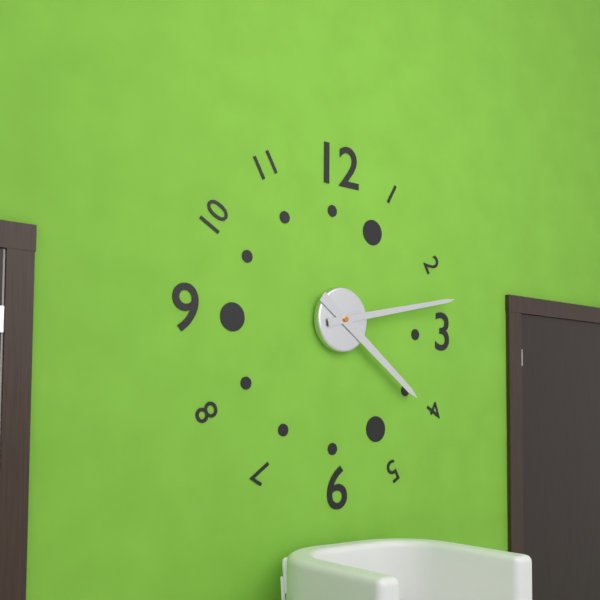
4h13
